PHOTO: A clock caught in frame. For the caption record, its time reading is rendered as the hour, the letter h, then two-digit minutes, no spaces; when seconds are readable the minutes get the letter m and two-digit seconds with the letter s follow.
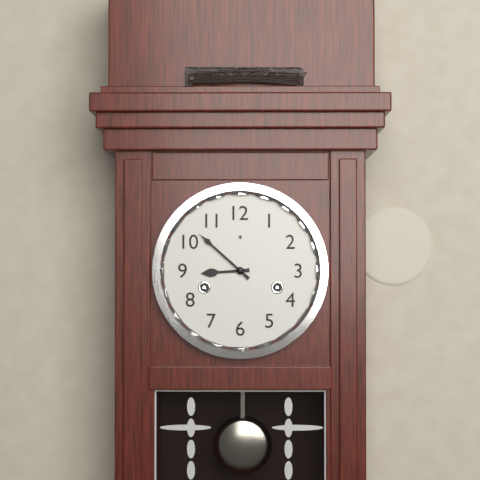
8h52
